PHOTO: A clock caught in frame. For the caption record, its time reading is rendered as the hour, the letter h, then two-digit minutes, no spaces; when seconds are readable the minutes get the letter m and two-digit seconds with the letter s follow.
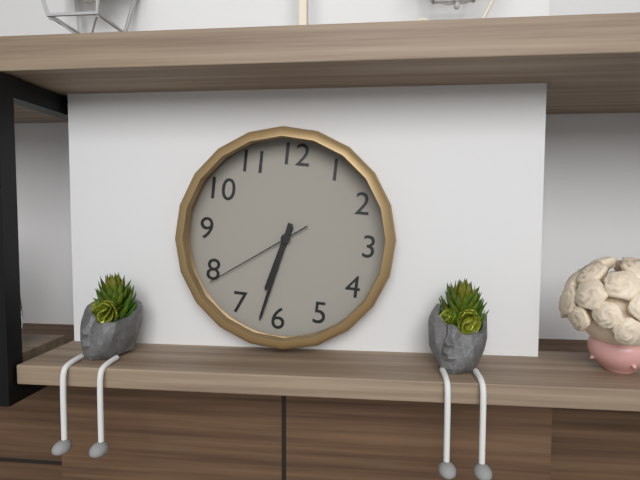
6h32m39s
